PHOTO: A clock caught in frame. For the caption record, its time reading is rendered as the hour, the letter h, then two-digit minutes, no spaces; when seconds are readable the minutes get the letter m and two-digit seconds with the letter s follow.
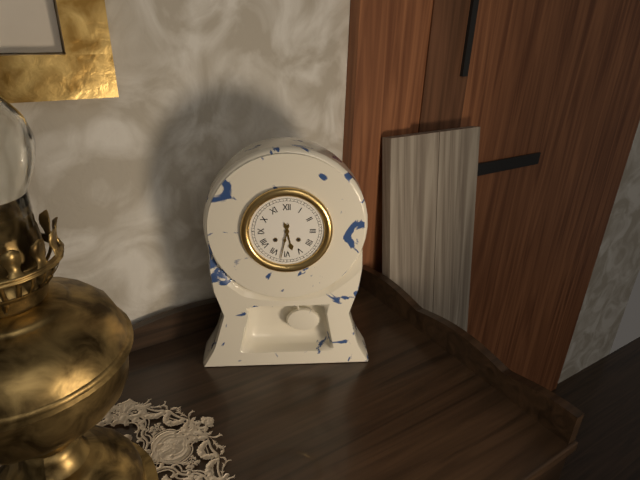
5h32
